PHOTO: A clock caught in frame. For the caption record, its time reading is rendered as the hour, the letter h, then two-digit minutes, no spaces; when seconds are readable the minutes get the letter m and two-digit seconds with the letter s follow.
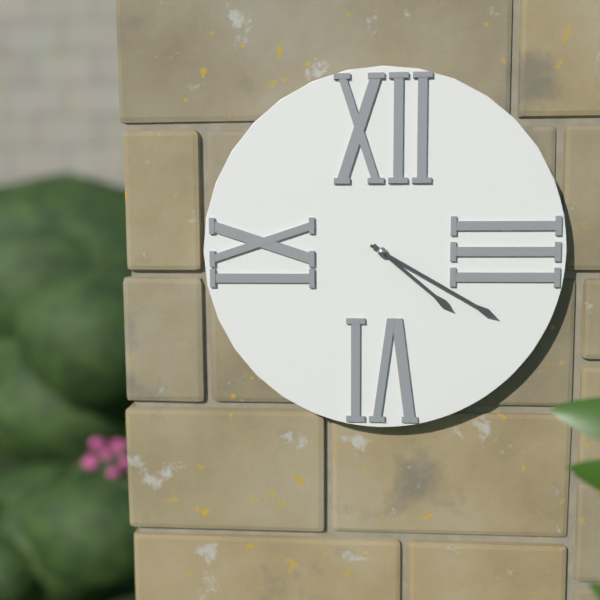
4h20
